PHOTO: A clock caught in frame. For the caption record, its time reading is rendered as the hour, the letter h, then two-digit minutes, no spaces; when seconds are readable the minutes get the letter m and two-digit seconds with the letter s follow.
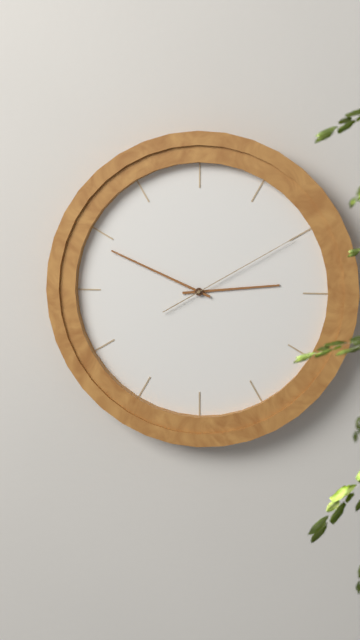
2h49m10s
